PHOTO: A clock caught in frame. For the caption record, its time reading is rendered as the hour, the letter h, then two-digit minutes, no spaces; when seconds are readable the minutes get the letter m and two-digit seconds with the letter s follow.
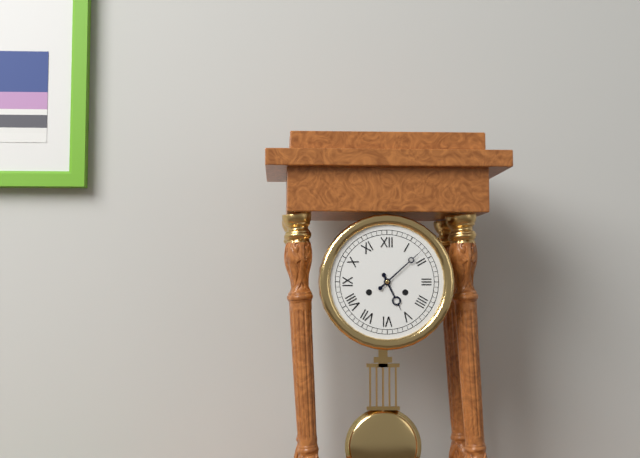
5h08
